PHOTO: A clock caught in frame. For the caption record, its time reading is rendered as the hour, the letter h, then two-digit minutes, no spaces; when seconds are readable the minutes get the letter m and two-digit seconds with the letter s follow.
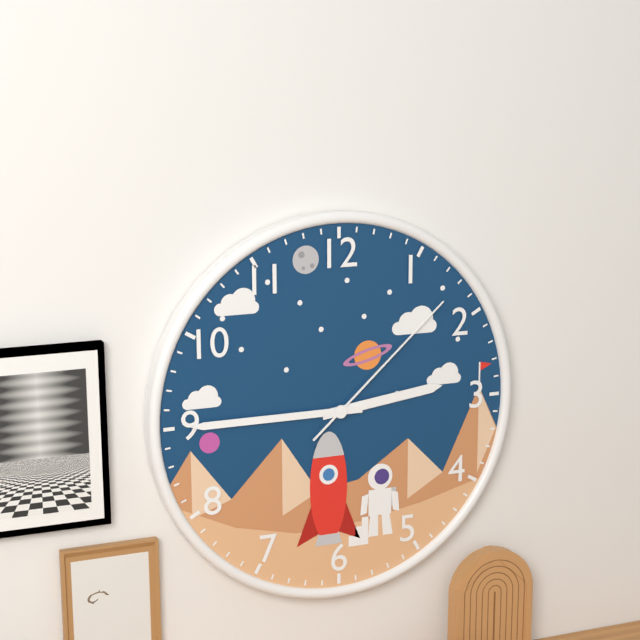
2h45m08s
